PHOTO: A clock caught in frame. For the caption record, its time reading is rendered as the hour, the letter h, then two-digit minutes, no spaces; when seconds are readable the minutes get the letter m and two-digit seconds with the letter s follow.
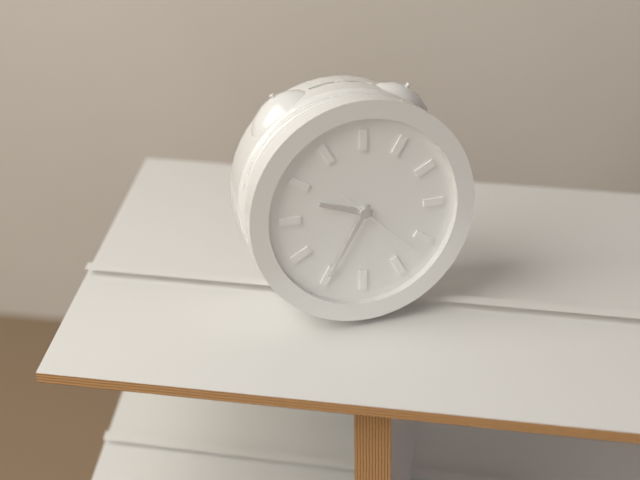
9h35m22s
